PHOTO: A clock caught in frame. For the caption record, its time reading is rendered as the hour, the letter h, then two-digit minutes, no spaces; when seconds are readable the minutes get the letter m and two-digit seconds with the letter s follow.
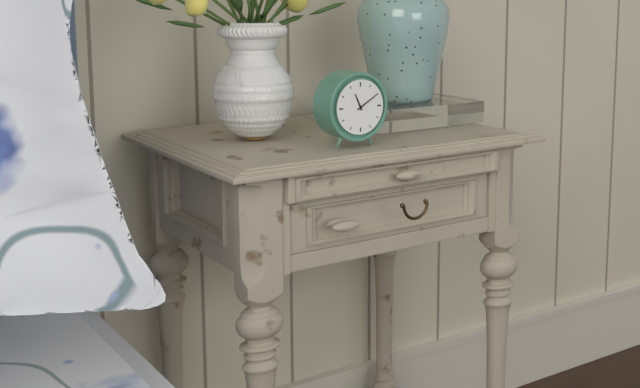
11h10
